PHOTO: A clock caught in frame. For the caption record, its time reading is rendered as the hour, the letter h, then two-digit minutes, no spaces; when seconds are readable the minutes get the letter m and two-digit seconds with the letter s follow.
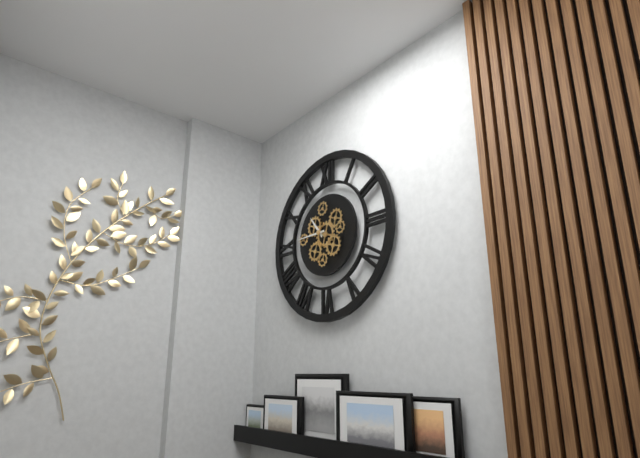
10h45
